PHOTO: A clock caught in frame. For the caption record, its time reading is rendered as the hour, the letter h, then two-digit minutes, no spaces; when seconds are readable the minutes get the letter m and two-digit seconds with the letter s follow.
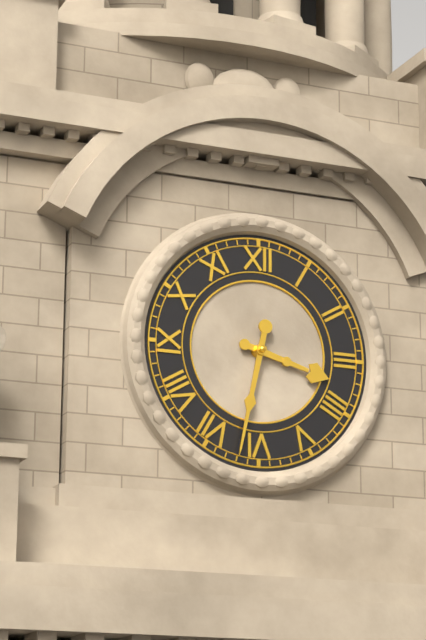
3h32
